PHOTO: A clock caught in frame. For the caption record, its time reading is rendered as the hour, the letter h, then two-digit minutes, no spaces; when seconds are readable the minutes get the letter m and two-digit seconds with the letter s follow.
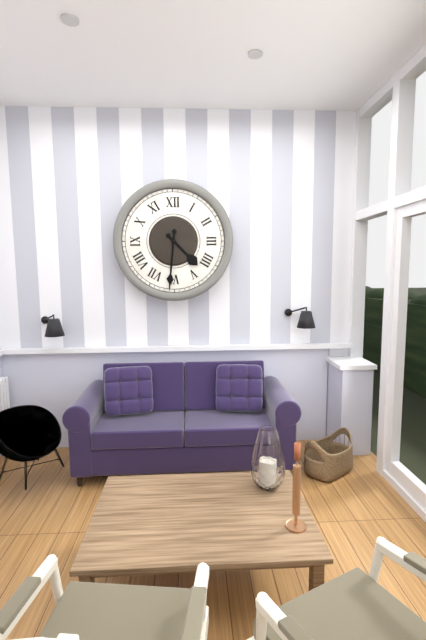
4h31
